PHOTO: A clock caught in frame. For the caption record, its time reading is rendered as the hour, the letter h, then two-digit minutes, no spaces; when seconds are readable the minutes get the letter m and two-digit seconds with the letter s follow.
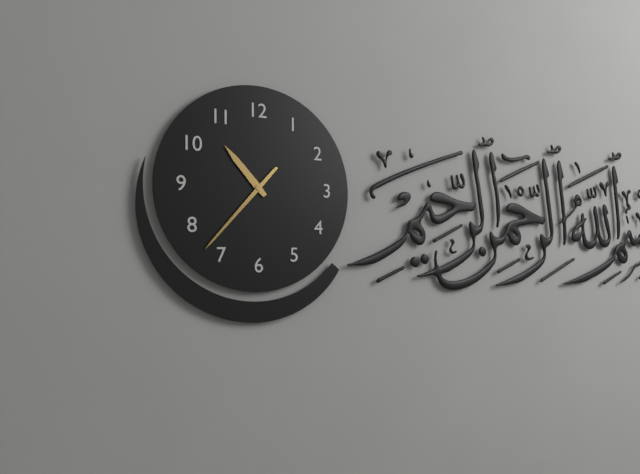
10h37
